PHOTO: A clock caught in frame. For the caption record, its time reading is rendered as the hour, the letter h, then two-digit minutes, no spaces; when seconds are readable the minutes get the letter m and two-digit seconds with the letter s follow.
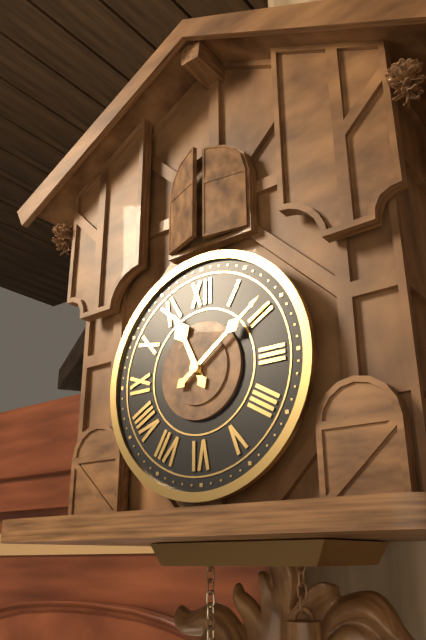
11h09
